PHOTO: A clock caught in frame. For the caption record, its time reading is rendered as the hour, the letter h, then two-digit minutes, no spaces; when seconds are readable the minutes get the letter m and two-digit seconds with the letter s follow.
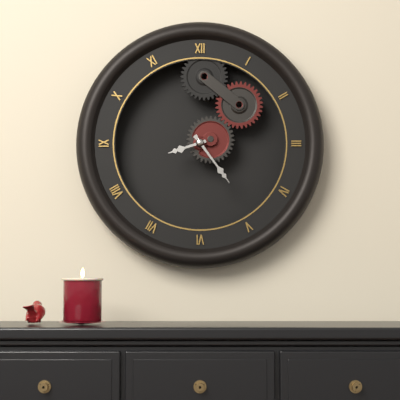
8h24
